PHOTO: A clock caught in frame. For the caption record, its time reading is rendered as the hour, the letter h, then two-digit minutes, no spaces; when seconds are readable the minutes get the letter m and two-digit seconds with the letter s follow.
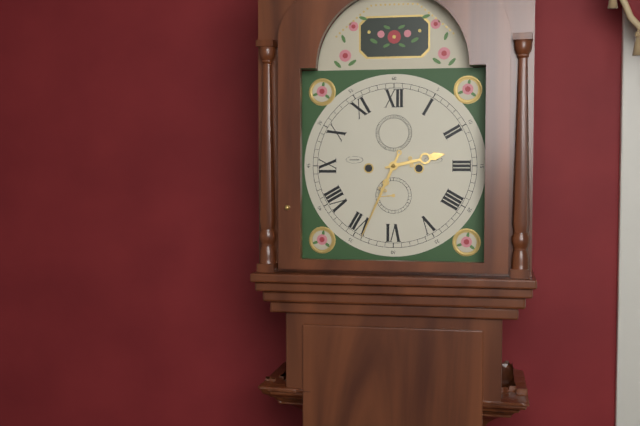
2h34
